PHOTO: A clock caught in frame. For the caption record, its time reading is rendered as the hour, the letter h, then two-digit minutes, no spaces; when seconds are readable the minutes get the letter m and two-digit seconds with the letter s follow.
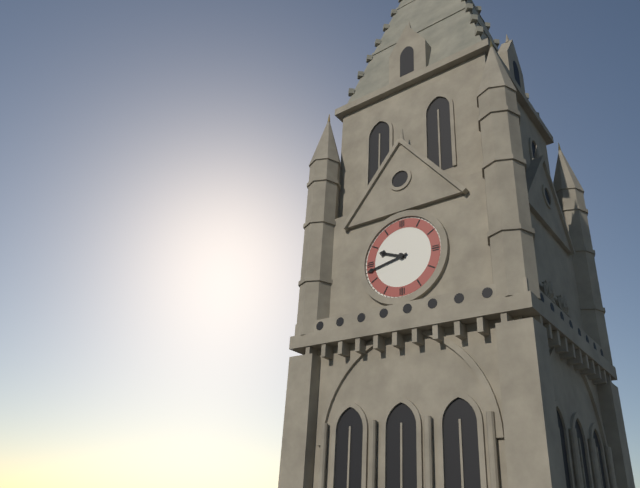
9h43
